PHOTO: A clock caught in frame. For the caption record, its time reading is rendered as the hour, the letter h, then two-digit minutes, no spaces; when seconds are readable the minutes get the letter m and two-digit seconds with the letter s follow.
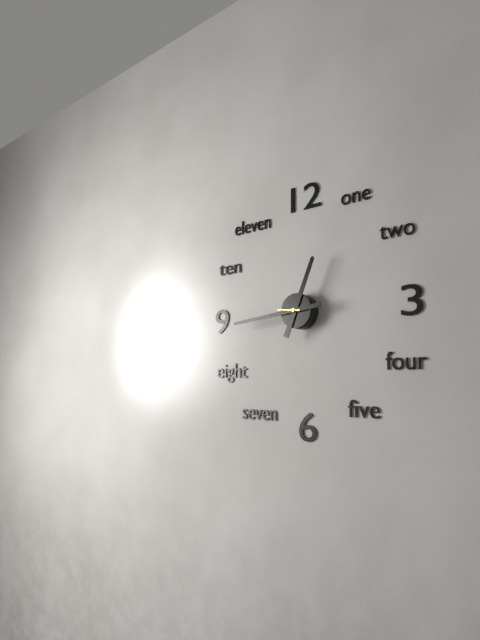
12h44
